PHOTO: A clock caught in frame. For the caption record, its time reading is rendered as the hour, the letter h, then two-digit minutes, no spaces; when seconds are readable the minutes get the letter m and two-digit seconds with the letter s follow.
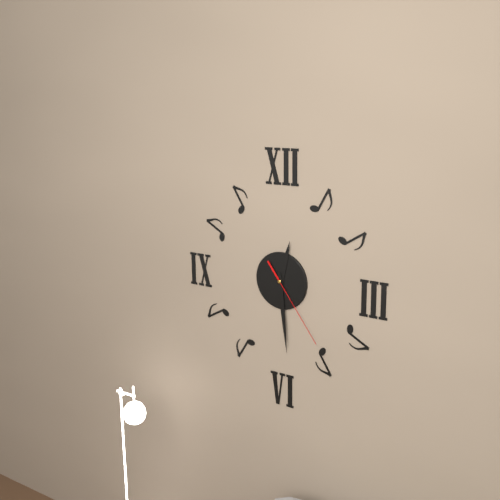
12h29m24s
